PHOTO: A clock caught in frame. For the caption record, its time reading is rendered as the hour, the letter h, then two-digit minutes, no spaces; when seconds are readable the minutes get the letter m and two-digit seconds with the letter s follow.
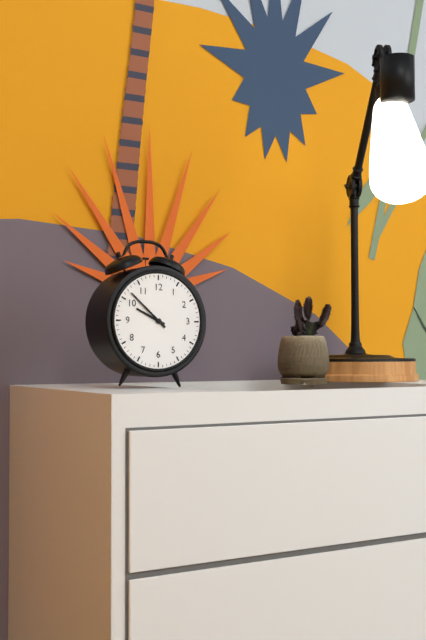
9h52
